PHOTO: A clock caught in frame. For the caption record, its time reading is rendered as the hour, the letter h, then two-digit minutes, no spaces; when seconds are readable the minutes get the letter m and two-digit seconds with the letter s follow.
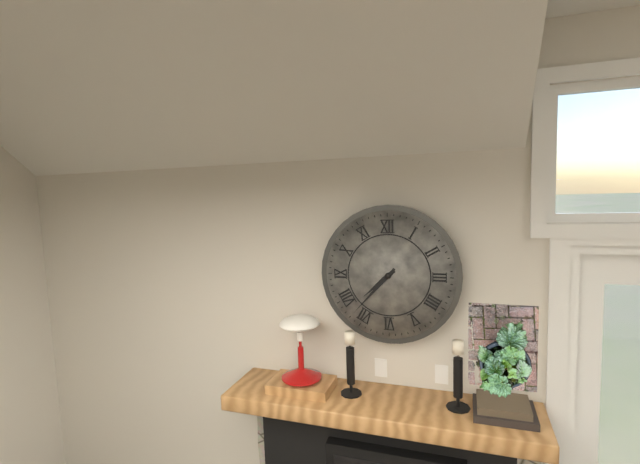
7h37
